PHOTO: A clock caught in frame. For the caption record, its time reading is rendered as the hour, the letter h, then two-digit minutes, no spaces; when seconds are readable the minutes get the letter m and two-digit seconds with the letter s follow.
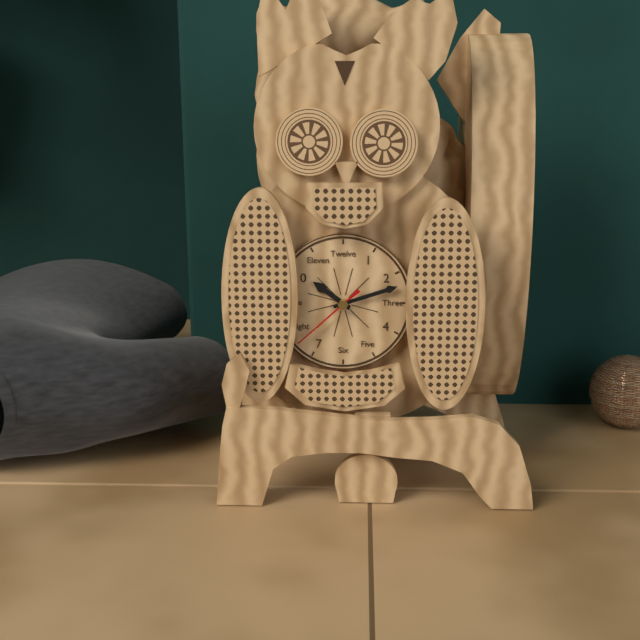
10h12m38s
